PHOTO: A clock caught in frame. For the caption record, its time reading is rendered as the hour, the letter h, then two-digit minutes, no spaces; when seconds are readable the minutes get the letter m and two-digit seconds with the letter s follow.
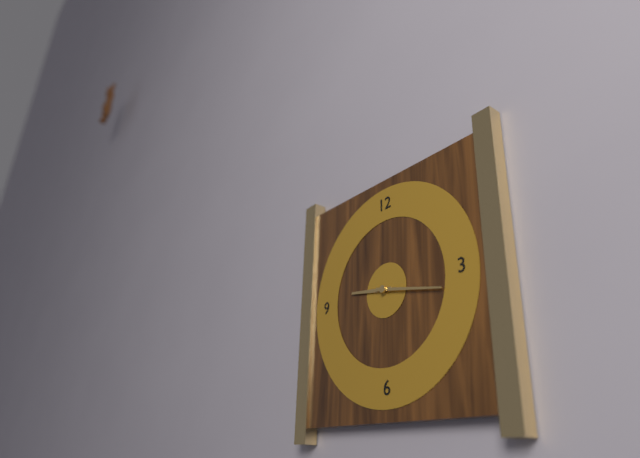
9h17
